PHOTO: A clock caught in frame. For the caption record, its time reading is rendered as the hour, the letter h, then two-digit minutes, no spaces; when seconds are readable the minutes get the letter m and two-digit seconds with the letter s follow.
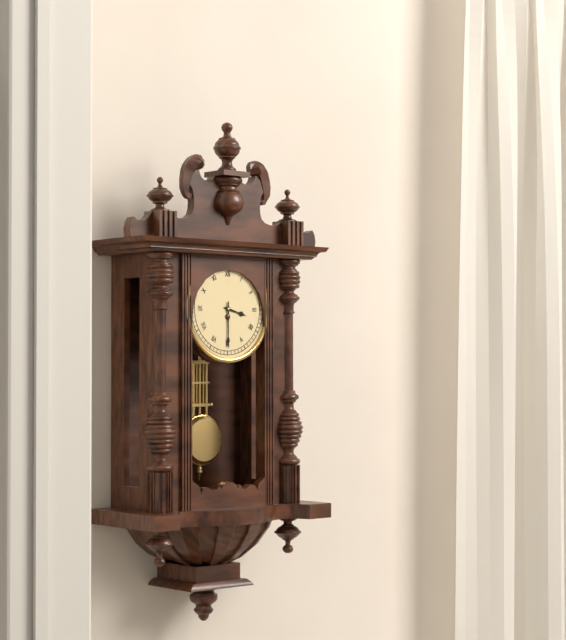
3h30
